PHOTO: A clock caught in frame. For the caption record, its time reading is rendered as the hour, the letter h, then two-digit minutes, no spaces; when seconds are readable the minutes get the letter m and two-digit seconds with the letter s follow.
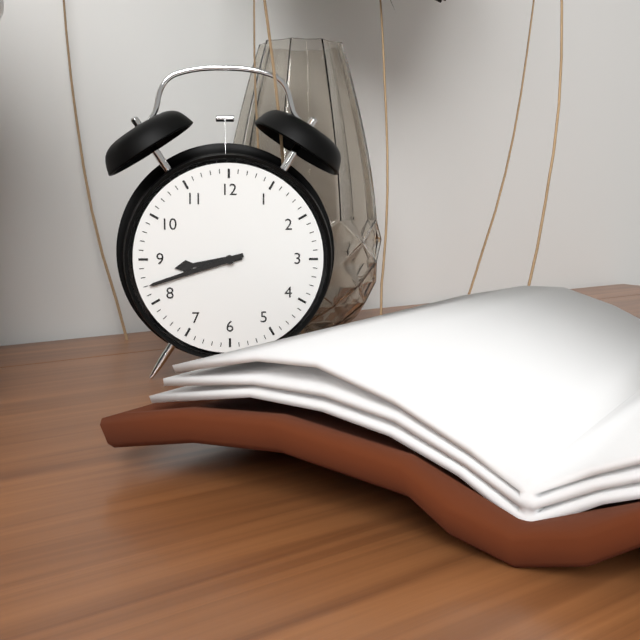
8h42
